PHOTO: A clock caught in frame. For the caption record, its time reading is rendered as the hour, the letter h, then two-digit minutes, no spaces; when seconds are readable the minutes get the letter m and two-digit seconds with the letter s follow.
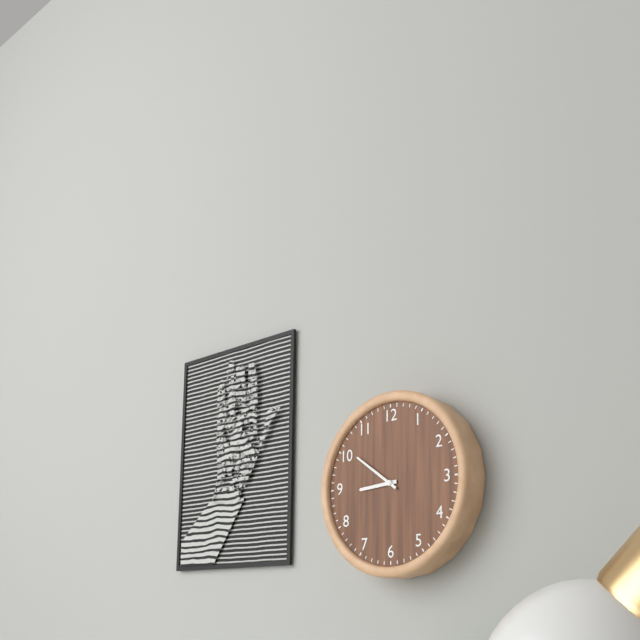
8h51
